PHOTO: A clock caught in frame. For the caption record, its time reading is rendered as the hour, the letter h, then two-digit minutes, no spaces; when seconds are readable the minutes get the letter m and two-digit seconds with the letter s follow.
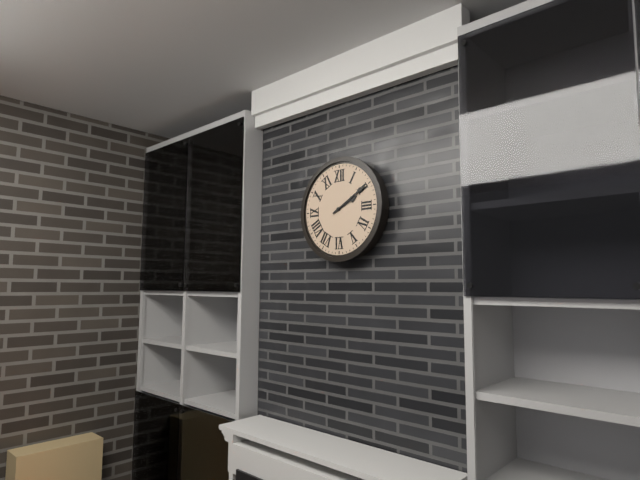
2h10
